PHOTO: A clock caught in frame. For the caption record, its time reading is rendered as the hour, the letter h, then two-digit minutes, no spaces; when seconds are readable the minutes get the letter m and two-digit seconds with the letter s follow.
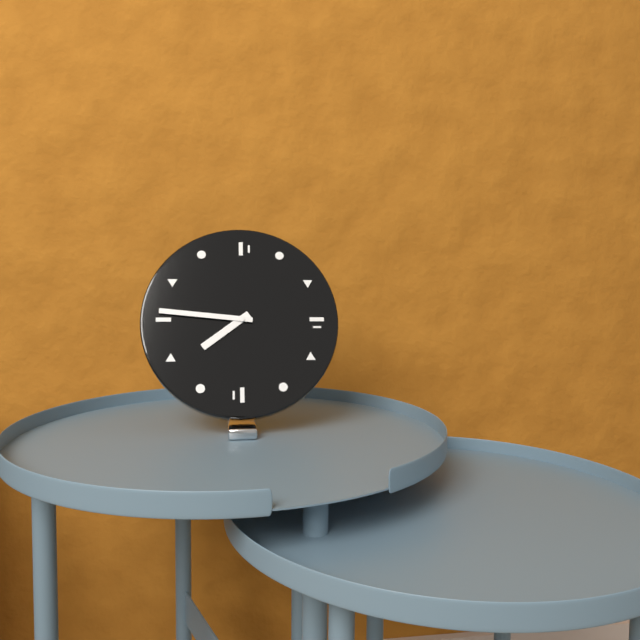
7h46
